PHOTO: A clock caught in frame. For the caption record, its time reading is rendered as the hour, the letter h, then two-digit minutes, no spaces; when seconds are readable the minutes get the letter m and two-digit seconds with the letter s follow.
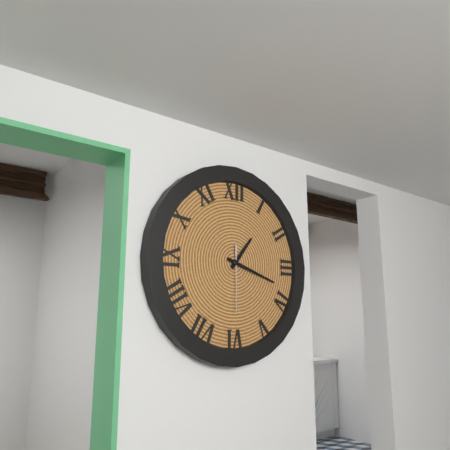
1h18m30s
